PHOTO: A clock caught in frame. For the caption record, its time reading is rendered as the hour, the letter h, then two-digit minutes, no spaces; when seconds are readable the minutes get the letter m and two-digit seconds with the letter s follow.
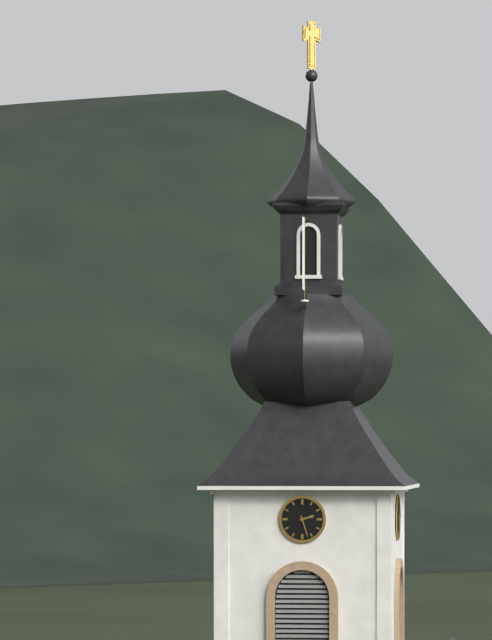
2h27
